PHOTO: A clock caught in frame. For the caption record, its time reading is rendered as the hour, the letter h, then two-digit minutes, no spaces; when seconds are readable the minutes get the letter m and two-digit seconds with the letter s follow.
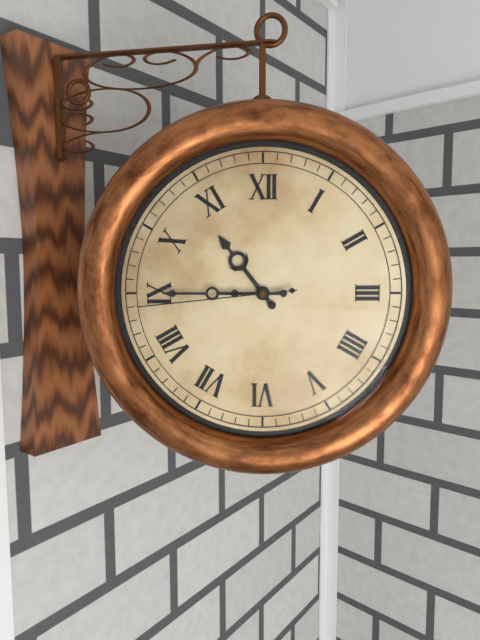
10h45m44s
